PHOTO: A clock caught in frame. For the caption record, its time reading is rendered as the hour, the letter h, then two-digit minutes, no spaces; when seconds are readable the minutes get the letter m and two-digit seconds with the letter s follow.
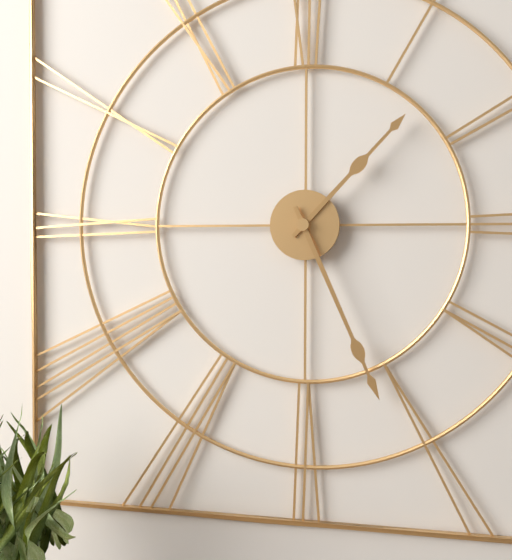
1h26
